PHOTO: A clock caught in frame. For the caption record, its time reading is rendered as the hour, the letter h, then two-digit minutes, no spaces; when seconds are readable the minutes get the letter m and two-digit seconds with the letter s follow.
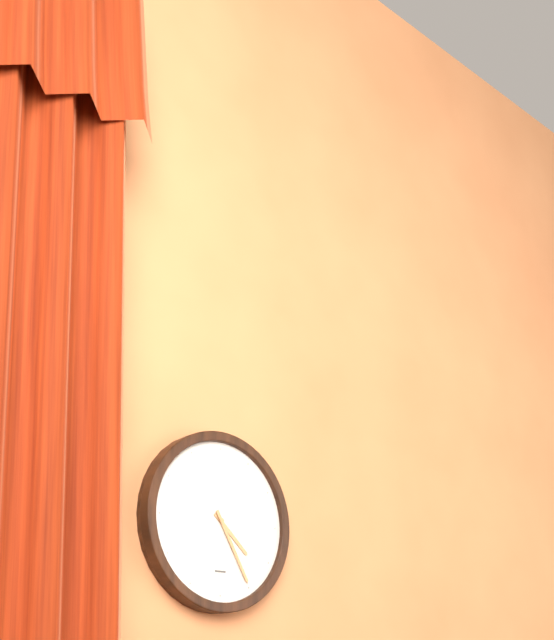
4h25
